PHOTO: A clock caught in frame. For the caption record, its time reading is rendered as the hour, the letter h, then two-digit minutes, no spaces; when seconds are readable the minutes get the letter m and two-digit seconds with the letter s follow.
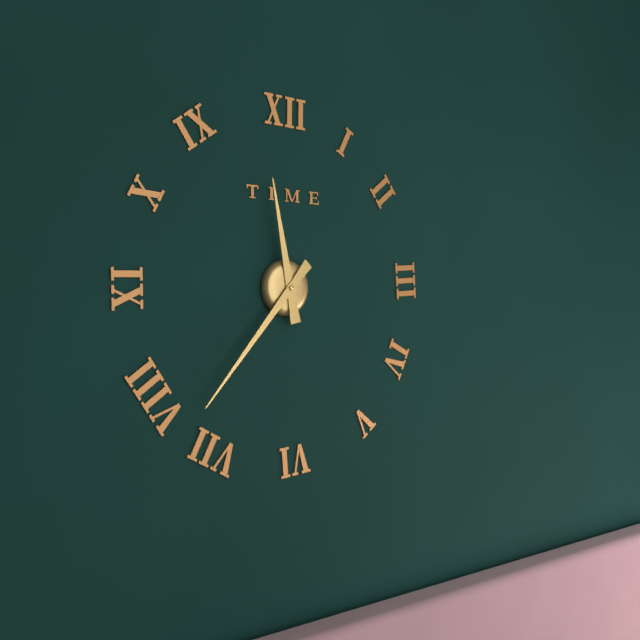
11h37
